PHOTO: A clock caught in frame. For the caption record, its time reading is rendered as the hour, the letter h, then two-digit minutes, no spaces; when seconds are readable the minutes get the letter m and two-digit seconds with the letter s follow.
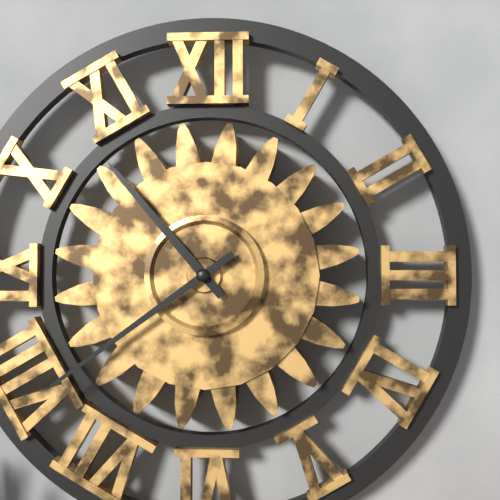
10h39
